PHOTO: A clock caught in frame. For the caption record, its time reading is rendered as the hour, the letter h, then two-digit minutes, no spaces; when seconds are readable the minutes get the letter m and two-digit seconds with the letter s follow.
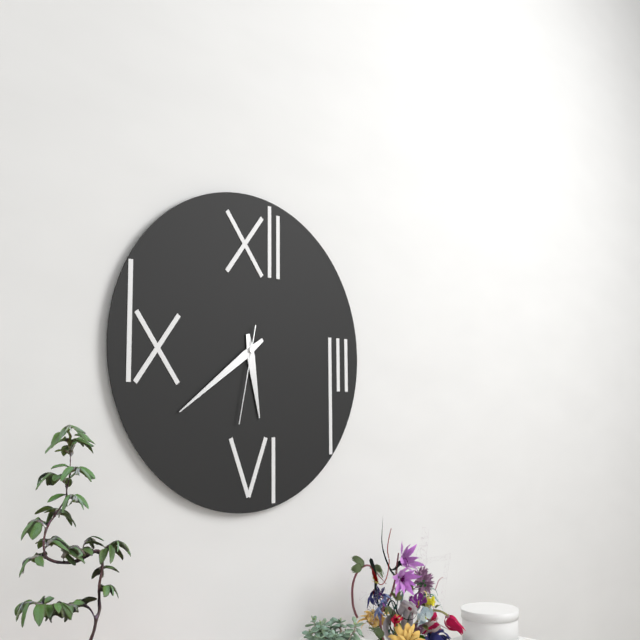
5h39m32s
